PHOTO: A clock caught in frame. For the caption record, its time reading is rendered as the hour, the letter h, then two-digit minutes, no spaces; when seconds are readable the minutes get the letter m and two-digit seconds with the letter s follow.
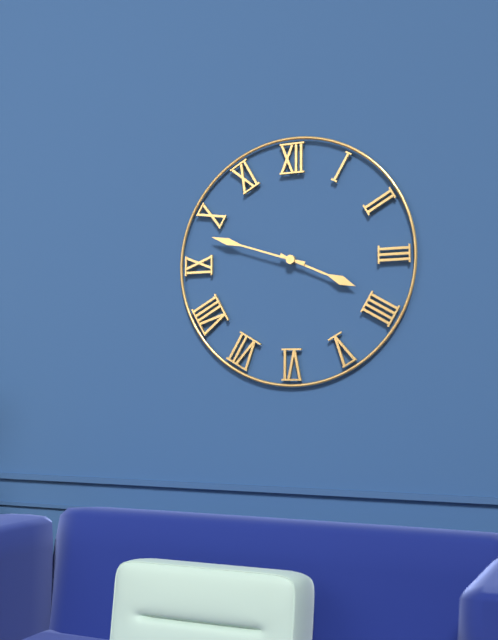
3h48
